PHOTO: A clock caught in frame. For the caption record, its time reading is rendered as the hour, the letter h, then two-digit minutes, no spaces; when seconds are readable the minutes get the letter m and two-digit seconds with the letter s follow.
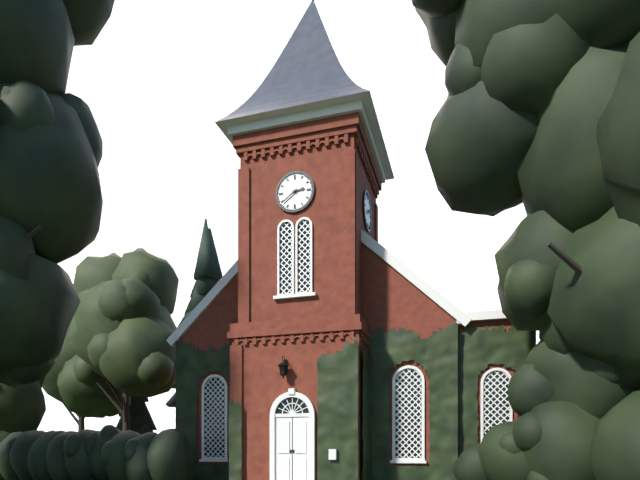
2h39
